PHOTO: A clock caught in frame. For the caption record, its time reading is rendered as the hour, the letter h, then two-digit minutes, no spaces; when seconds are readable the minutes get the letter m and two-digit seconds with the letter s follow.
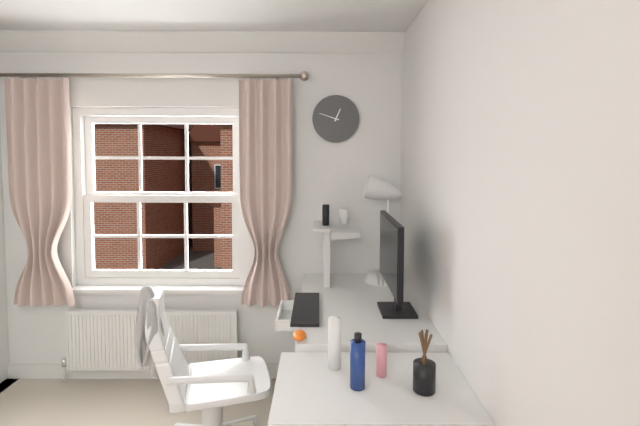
12h48
